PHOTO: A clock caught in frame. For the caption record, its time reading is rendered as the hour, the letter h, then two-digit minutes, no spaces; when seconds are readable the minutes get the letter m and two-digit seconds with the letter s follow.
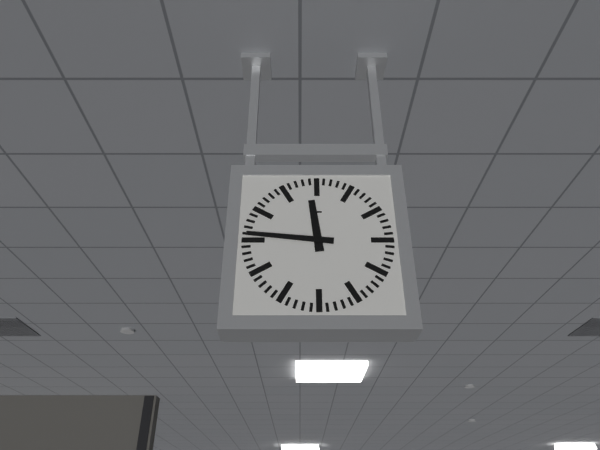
11h46
